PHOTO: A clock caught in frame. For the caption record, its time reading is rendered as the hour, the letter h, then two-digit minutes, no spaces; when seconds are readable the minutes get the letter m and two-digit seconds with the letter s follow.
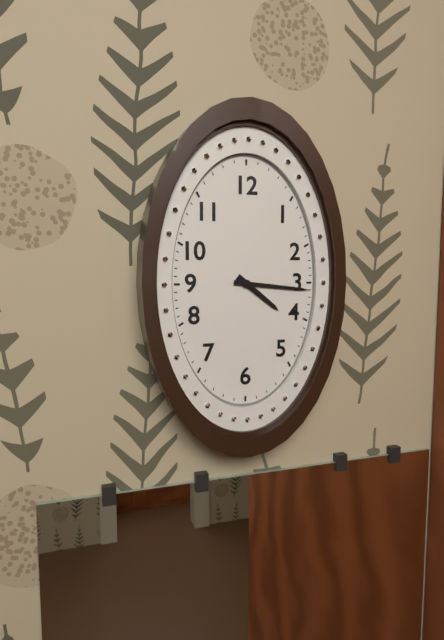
4h16
